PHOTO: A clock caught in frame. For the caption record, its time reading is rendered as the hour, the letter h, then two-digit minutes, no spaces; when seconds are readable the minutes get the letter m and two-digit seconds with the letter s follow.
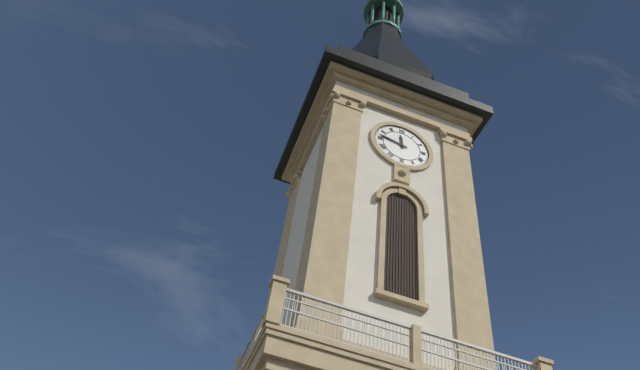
11h47
